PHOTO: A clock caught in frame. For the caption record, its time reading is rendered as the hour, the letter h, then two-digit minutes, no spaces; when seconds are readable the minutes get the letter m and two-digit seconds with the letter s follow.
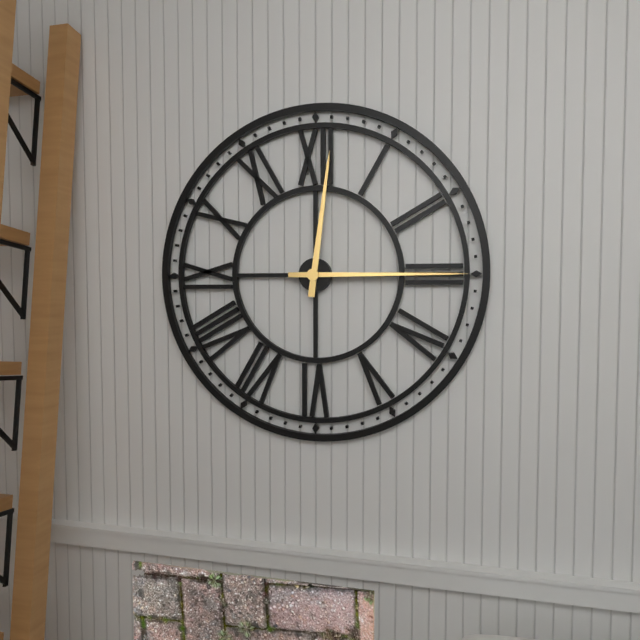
12h15
